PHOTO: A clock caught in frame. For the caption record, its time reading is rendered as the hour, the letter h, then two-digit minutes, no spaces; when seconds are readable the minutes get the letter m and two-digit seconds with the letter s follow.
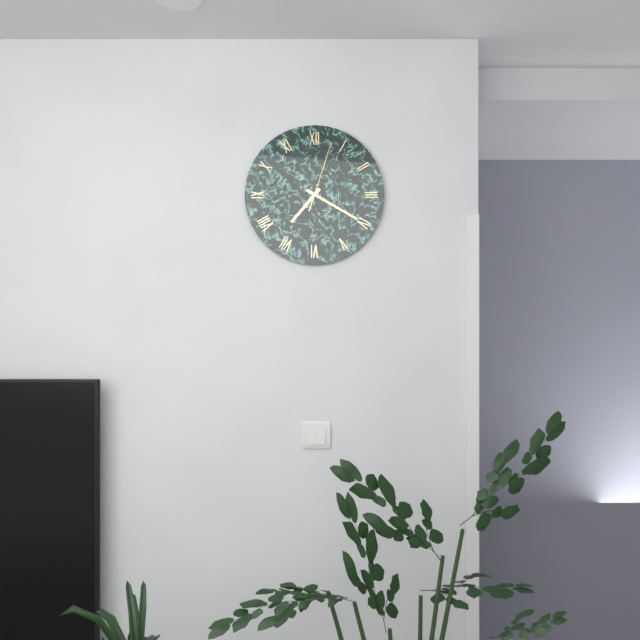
7h20m03s
